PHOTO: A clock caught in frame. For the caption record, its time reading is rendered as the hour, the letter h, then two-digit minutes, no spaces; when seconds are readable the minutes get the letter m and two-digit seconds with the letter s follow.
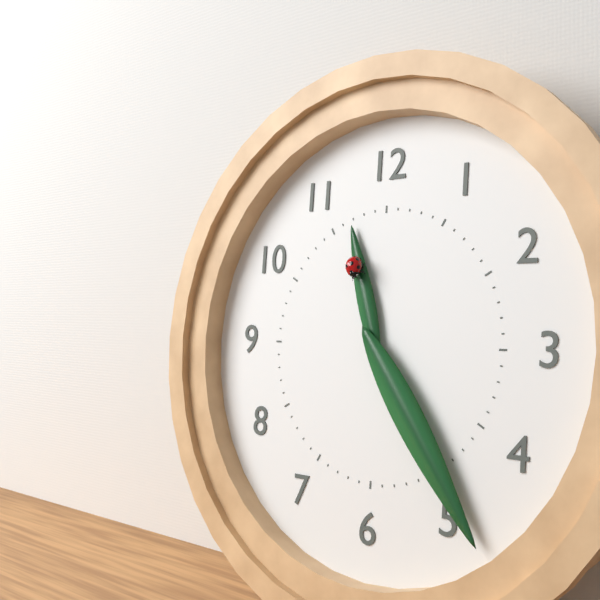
11h24
